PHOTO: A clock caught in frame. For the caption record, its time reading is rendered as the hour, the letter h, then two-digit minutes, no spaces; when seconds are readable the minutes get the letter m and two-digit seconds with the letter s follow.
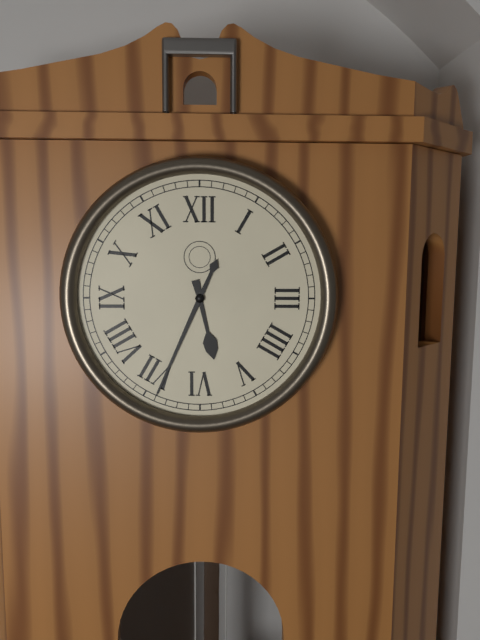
5h34
